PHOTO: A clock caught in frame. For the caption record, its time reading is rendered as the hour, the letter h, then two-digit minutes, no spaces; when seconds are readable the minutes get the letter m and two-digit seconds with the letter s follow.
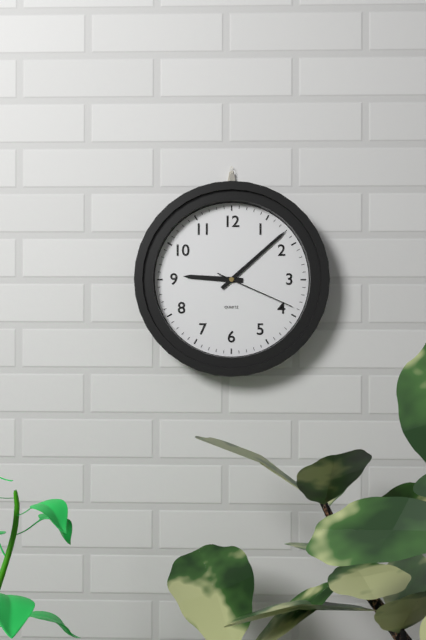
9h08m19s
